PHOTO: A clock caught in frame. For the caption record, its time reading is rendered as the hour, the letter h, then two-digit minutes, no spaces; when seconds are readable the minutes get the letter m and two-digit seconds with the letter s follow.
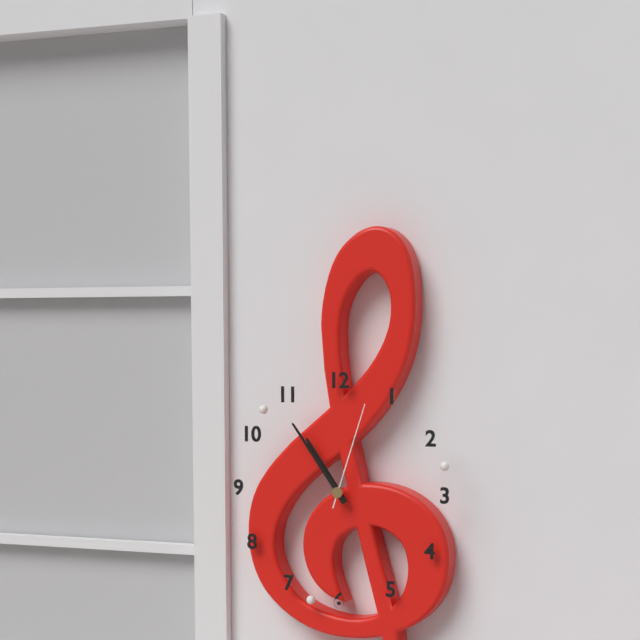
10h54m03s
